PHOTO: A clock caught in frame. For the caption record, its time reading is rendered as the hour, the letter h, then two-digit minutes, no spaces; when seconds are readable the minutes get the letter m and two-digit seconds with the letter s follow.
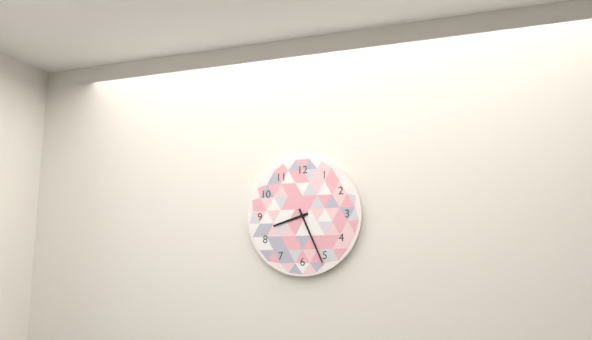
8h26
